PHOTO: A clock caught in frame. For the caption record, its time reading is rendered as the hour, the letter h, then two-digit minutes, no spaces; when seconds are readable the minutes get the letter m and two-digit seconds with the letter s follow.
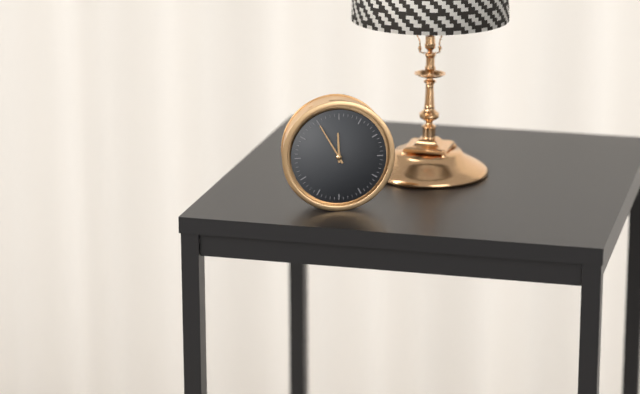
11h55
